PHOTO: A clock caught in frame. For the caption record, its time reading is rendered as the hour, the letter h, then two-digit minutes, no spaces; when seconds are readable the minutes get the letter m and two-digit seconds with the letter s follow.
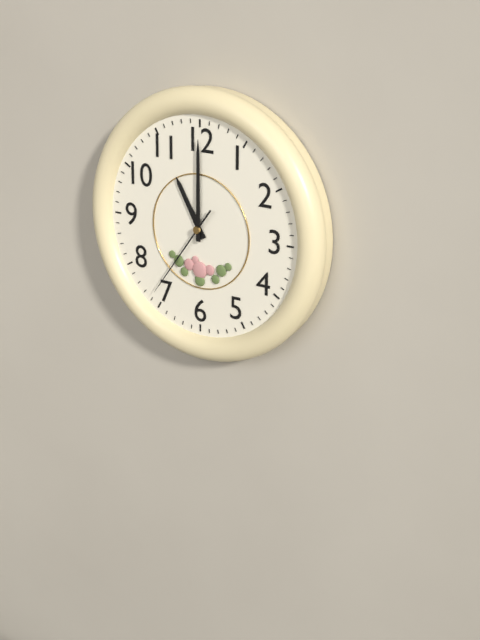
11h00m36s
